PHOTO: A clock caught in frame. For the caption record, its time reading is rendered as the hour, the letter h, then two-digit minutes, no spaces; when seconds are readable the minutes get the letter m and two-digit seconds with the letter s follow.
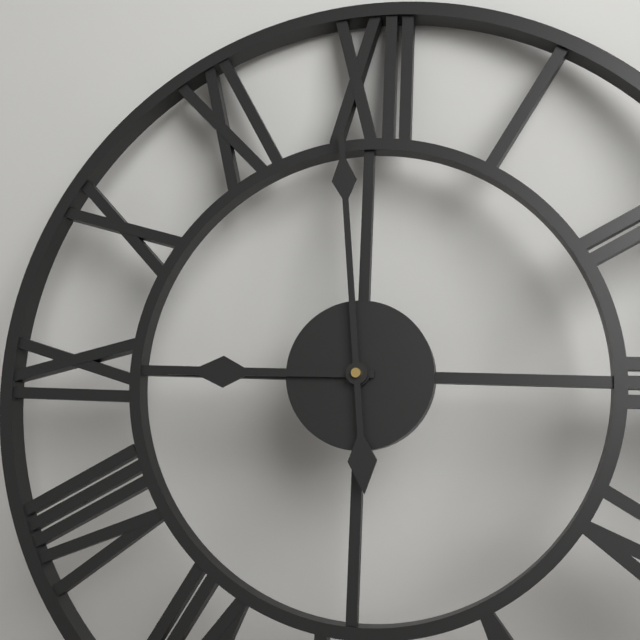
8h59
